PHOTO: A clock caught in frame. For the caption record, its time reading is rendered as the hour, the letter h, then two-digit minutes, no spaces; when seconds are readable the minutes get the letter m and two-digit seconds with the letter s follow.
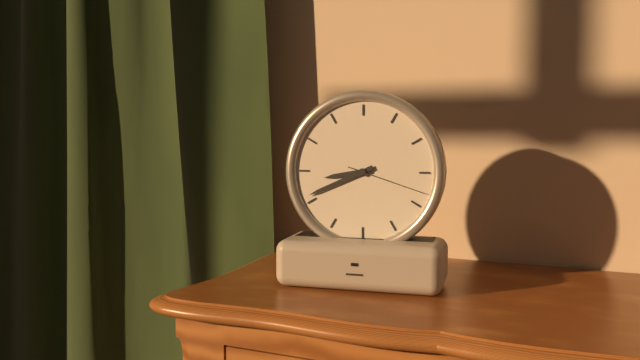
8h41m18s
